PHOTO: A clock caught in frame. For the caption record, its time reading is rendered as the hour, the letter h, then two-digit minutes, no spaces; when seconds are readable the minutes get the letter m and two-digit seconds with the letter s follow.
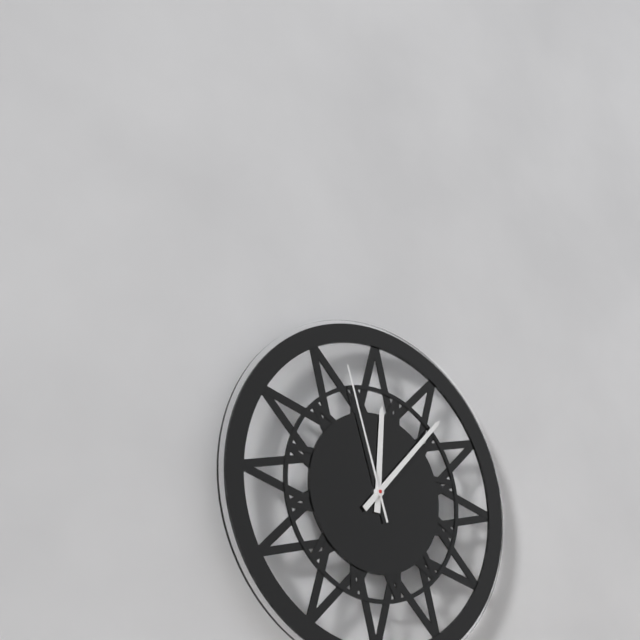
12h07m57s
